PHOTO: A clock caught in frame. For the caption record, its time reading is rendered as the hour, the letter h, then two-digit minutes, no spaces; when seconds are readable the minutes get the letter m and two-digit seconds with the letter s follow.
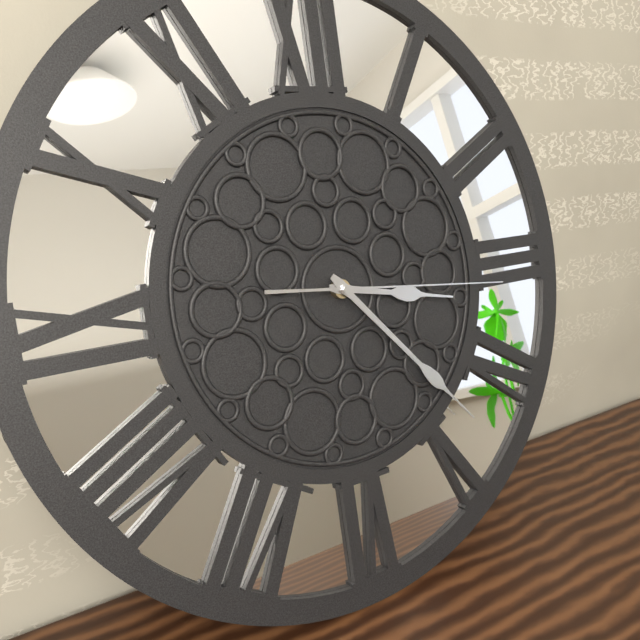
3h23m16s
